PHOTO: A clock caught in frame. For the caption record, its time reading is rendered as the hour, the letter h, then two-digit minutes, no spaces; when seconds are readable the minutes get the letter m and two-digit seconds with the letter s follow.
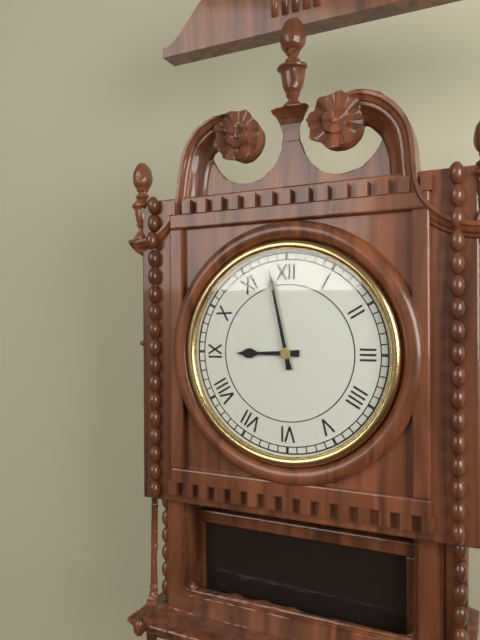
8h58
